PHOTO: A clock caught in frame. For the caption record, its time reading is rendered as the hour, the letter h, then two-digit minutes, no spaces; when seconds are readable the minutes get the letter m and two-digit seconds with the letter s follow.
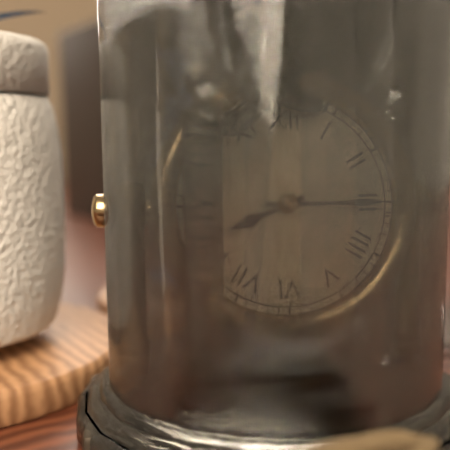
8h15
